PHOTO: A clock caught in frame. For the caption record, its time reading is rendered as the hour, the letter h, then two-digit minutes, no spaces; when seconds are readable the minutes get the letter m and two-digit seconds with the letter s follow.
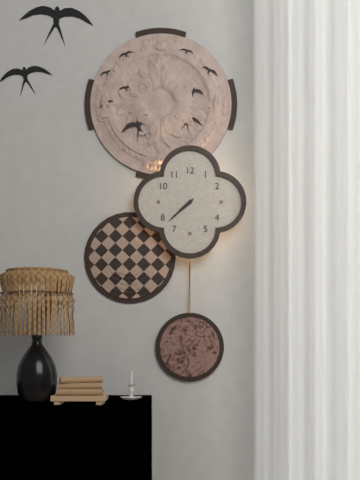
7h38
